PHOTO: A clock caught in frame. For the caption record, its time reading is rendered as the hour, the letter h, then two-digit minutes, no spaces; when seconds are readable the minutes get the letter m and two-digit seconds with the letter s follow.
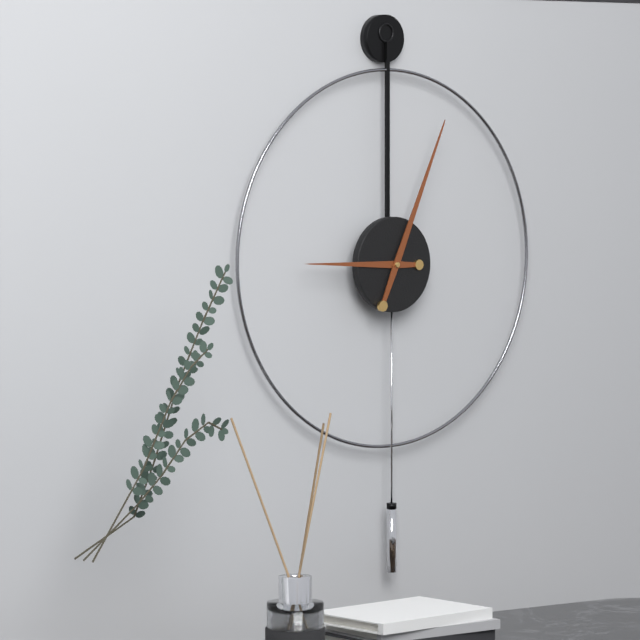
9h04
